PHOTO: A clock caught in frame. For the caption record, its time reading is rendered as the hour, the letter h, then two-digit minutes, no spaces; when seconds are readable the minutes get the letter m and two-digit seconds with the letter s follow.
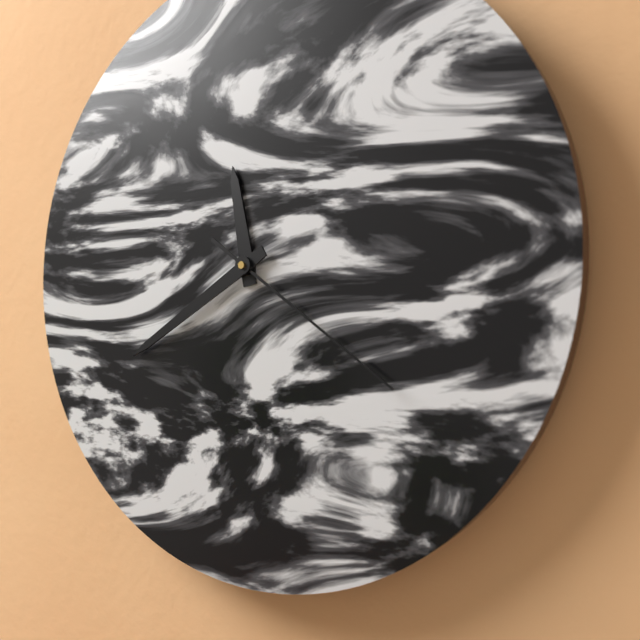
11h40m21s
